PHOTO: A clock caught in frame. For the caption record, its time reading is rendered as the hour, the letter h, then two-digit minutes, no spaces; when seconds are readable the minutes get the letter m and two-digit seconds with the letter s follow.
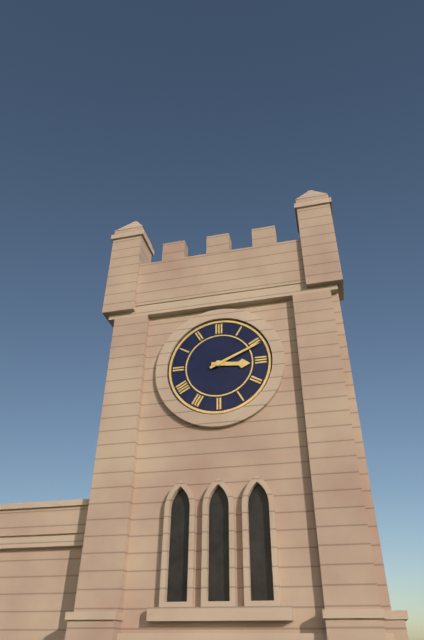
3h11
